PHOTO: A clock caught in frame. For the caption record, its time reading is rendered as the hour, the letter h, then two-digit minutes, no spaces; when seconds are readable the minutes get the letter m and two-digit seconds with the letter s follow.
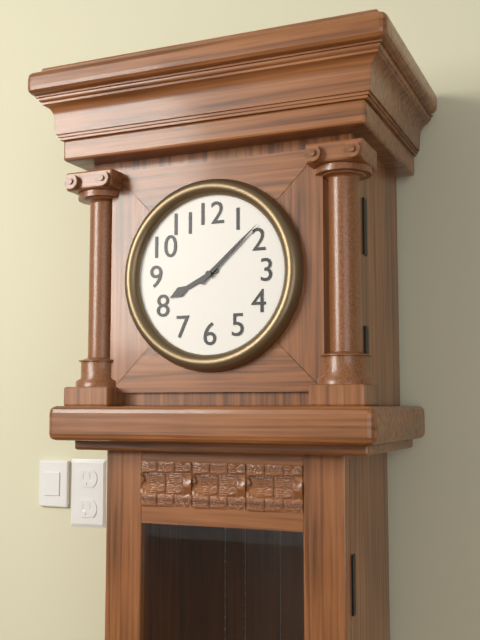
8h08
